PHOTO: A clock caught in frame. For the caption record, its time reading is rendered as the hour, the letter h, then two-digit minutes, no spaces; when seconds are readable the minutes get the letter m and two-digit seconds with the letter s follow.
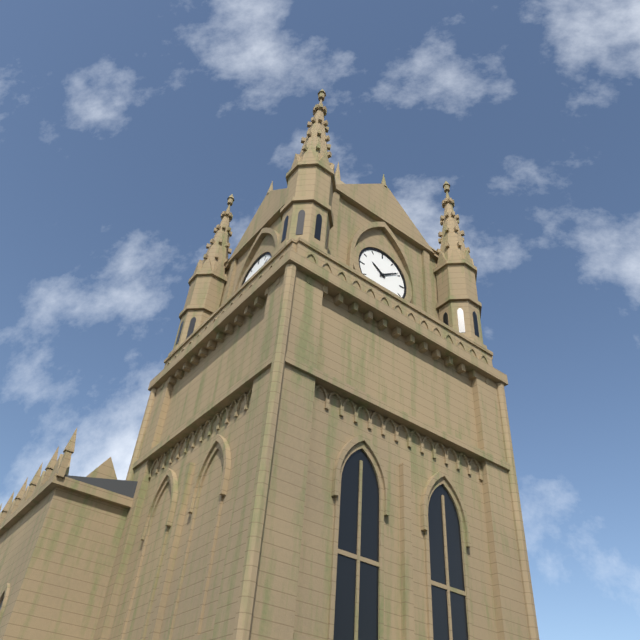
10h09
